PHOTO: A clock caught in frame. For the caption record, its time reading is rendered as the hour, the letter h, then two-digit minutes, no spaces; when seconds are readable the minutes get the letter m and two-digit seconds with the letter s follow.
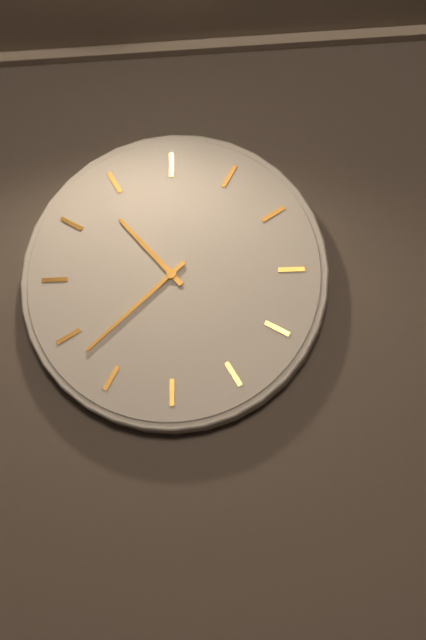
10h38
